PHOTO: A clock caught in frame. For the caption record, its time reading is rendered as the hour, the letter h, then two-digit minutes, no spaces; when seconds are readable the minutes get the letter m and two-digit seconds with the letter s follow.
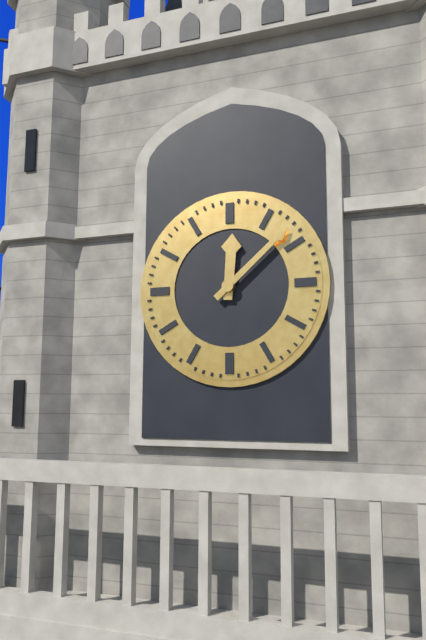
12h08
